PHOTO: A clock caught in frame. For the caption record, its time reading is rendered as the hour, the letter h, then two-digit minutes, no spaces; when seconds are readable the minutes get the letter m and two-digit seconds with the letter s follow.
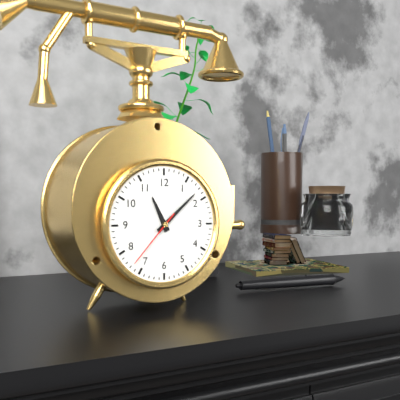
11h08m37s
